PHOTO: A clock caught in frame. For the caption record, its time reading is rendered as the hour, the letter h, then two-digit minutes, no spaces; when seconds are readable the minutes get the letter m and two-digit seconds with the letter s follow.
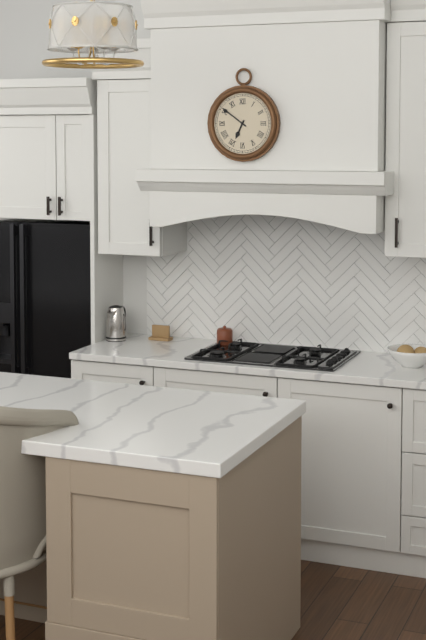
6h51
